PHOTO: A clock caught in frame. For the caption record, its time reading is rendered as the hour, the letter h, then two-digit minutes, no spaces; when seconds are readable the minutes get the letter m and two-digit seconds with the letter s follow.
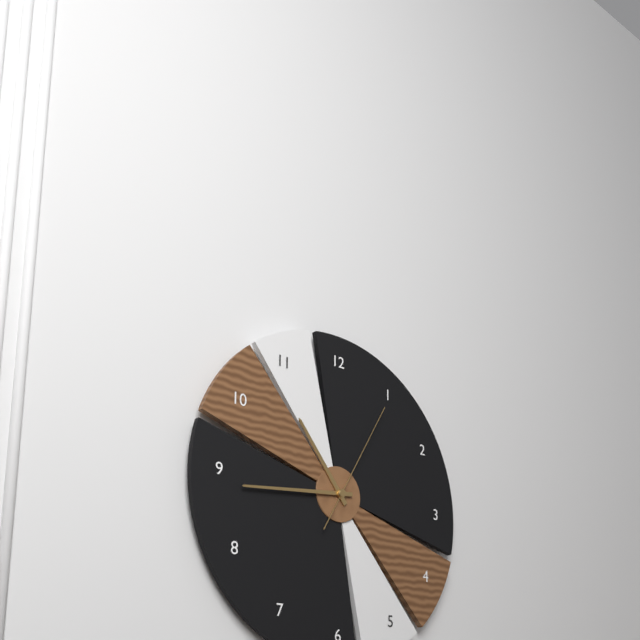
10h44m05s
